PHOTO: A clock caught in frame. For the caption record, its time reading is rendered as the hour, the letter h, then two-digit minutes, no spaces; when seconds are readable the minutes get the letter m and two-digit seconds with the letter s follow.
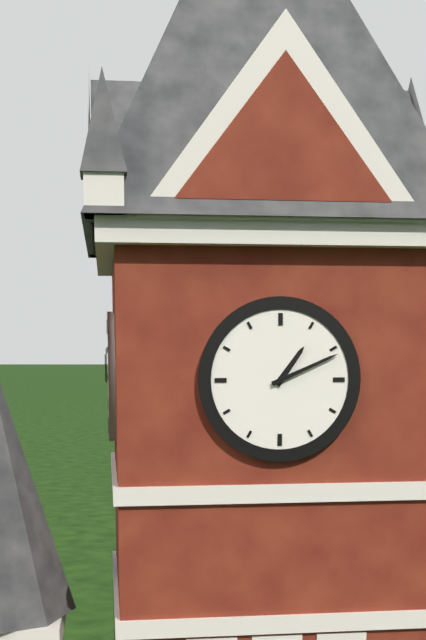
1h11
